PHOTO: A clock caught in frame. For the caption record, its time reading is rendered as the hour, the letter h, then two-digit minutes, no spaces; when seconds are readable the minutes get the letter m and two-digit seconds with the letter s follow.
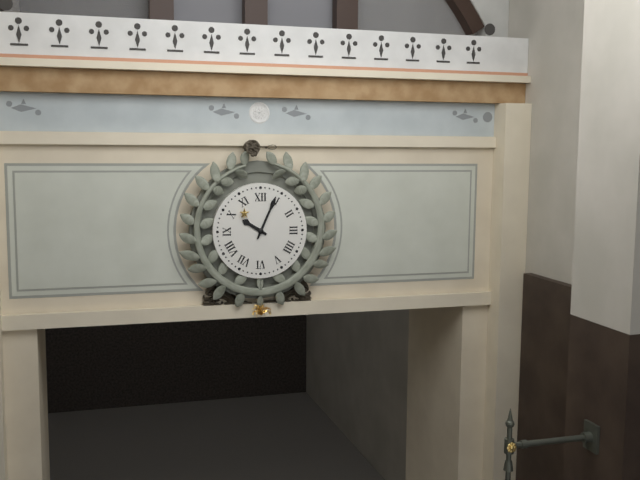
10h04
